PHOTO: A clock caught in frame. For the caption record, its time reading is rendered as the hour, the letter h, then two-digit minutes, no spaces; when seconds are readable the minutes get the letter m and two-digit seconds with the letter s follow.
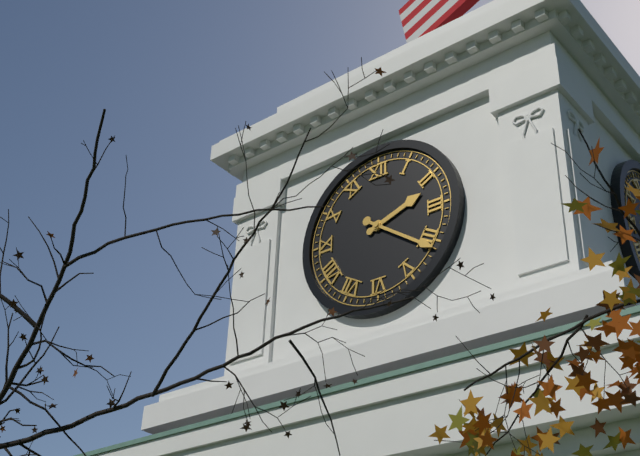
2h21
